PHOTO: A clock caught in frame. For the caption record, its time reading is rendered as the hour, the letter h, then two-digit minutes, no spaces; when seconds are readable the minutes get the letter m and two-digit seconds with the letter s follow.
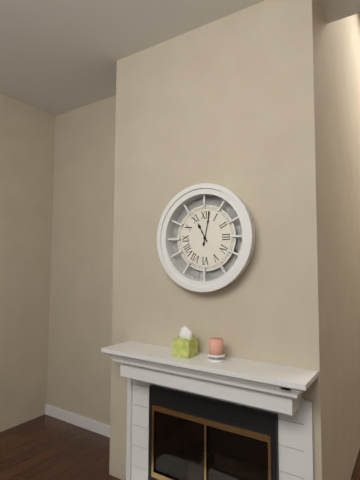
11h02
